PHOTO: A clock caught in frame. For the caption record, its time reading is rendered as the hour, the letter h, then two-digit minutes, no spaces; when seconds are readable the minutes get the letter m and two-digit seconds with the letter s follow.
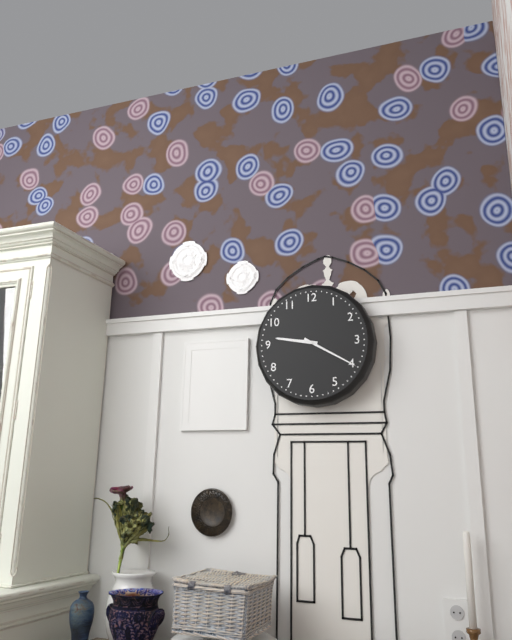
9h20
